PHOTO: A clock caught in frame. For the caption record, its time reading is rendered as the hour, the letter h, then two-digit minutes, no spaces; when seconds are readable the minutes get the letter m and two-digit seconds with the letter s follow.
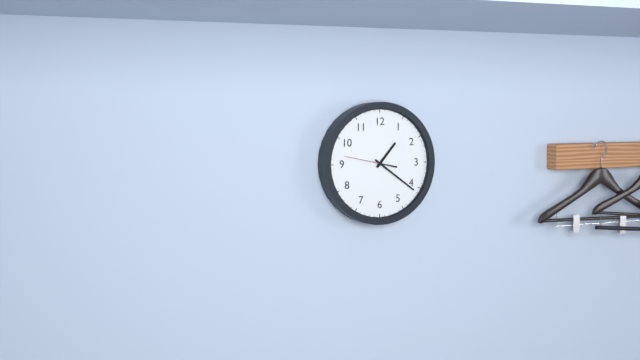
1h21
